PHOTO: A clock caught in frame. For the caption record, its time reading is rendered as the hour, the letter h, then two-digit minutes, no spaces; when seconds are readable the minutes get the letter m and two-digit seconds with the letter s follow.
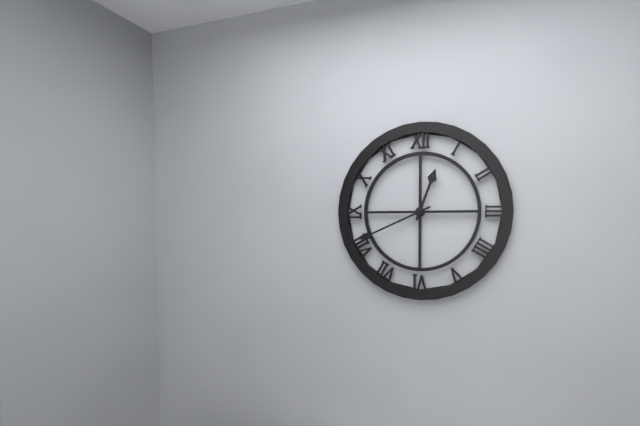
12h41
